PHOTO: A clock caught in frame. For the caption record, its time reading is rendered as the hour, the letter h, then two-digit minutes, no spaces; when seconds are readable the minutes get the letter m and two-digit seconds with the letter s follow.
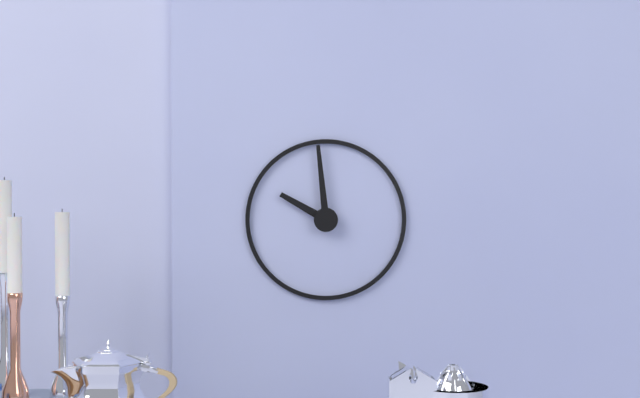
9h59
